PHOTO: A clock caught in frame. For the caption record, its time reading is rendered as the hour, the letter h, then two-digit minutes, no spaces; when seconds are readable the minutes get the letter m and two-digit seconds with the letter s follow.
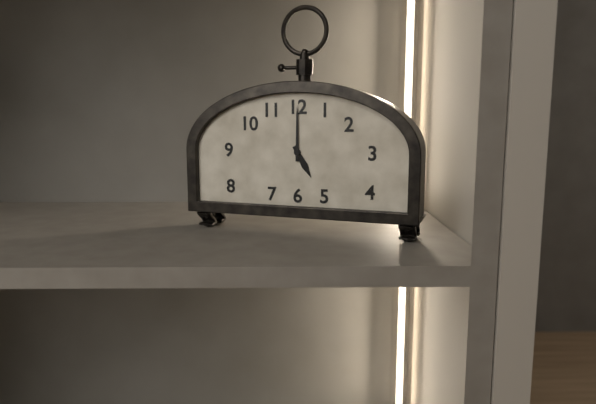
5h00
